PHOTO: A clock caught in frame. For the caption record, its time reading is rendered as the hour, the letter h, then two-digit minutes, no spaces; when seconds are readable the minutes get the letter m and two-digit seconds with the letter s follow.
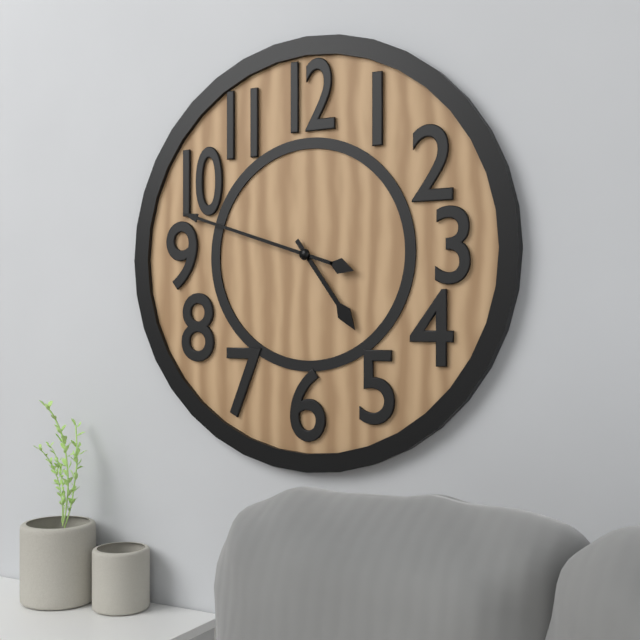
4h48
